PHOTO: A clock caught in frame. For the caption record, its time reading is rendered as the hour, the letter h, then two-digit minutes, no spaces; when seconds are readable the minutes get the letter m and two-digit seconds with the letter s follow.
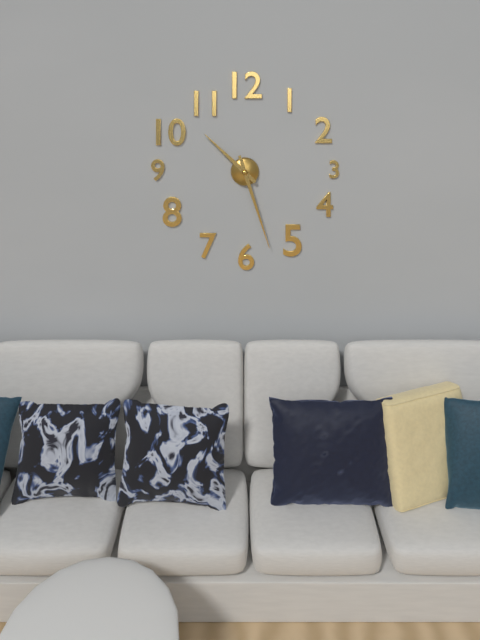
10h27
